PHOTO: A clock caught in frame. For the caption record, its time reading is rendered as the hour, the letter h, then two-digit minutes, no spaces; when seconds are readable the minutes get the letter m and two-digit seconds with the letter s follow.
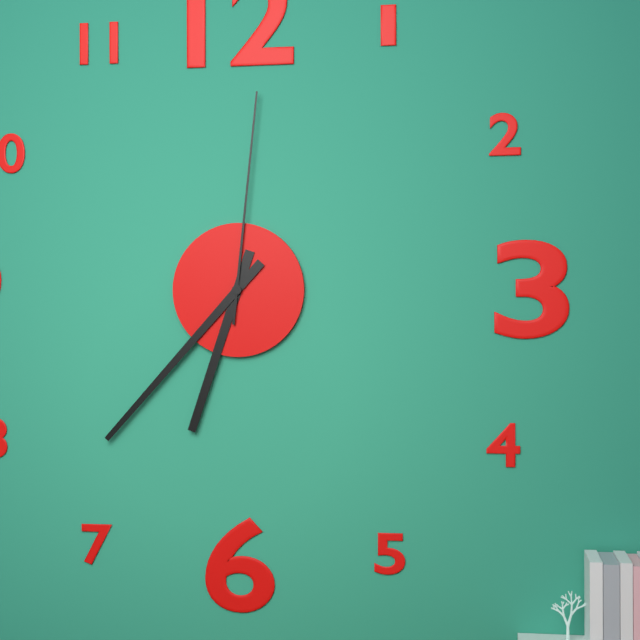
6h37m01s
